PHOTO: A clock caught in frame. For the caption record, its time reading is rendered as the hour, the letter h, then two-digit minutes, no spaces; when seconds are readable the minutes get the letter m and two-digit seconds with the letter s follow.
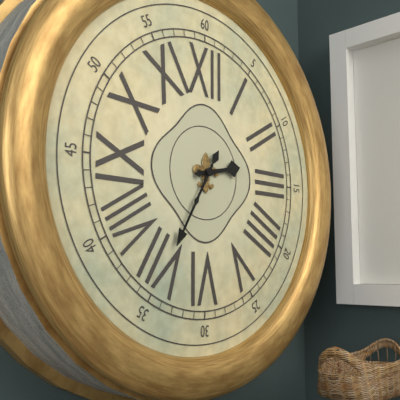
2h35
